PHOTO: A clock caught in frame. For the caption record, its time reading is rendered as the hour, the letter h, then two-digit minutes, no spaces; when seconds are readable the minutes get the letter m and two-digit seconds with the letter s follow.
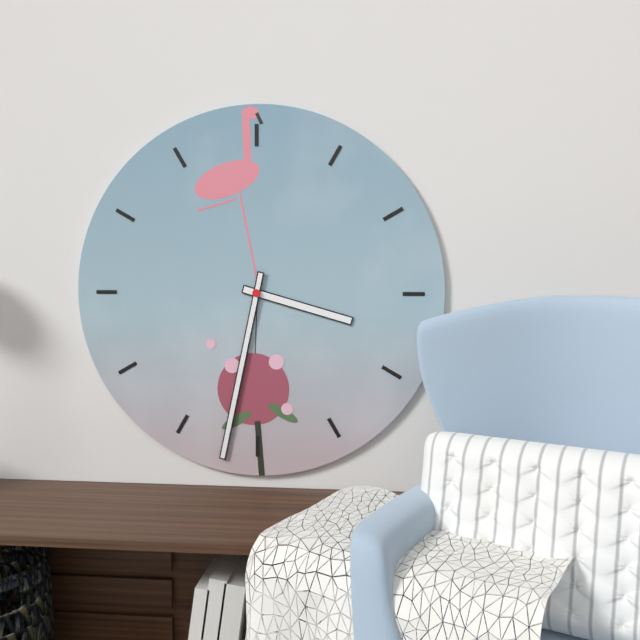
3h32
